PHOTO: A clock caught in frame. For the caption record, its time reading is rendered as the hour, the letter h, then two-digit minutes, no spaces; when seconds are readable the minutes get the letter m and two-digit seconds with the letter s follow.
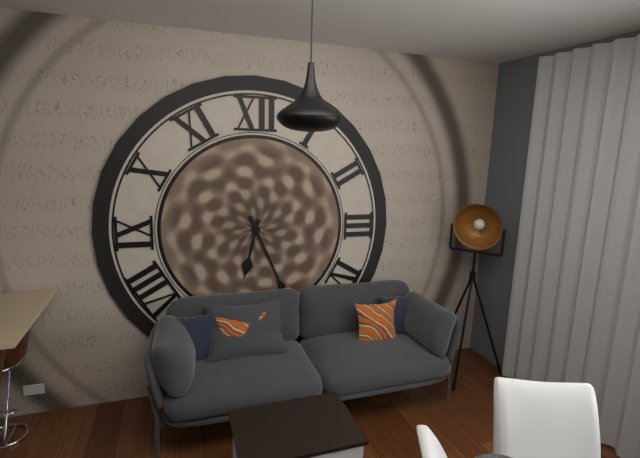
6h26
